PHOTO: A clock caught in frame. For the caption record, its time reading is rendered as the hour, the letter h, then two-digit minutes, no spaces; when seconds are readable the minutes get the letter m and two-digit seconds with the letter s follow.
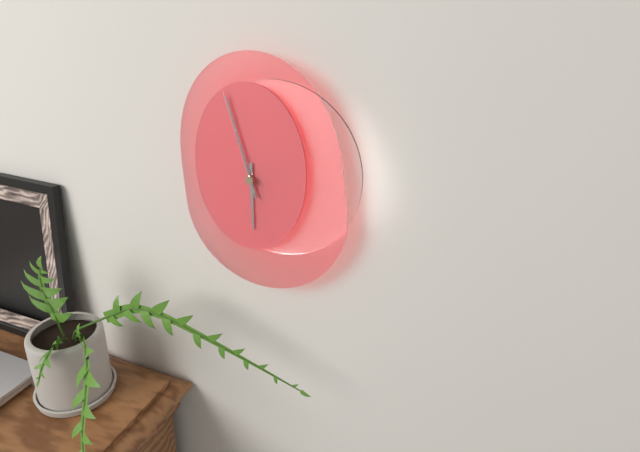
5h57m57s
